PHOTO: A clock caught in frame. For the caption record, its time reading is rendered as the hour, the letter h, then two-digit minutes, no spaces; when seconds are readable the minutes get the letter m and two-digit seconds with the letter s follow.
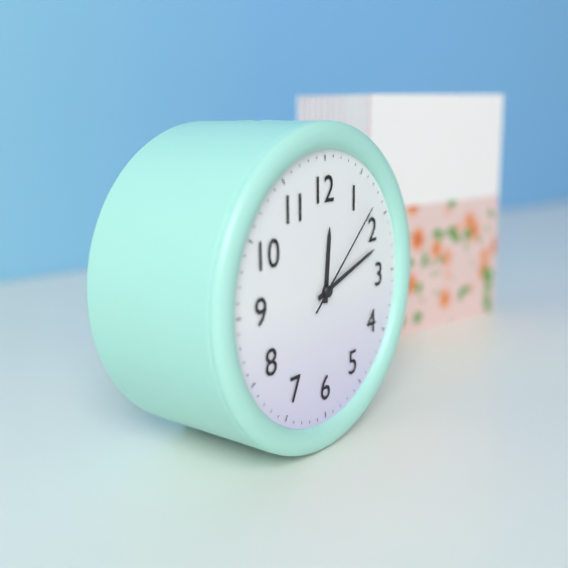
12h12m08s
